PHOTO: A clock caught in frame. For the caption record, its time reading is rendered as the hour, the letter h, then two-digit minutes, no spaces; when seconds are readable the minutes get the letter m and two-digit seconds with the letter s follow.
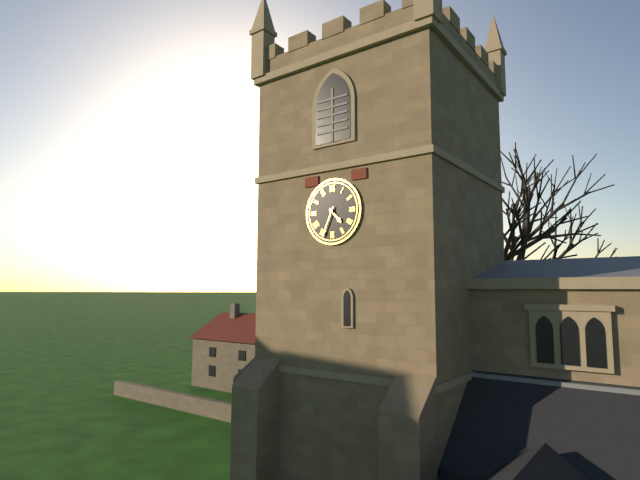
4h34
